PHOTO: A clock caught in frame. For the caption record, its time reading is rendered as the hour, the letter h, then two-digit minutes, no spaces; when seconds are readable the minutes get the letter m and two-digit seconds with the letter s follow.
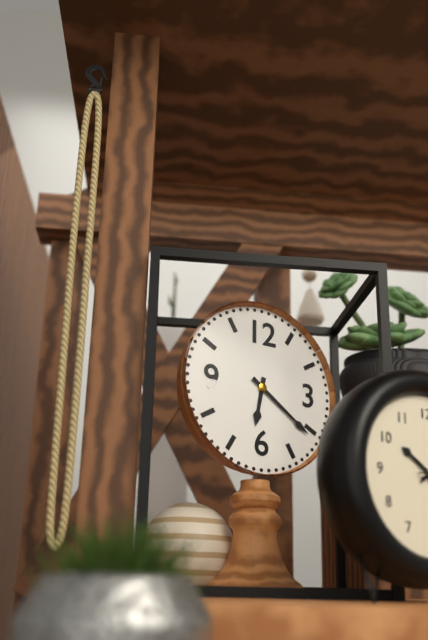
6h21
